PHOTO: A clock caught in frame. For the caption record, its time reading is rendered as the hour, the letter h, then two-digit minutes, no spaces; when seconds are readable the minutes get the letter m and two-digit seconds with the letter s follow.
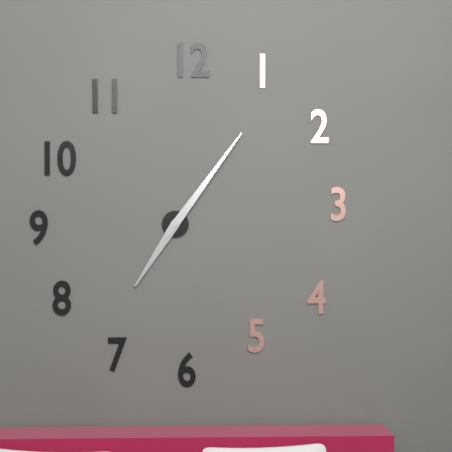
7h06
